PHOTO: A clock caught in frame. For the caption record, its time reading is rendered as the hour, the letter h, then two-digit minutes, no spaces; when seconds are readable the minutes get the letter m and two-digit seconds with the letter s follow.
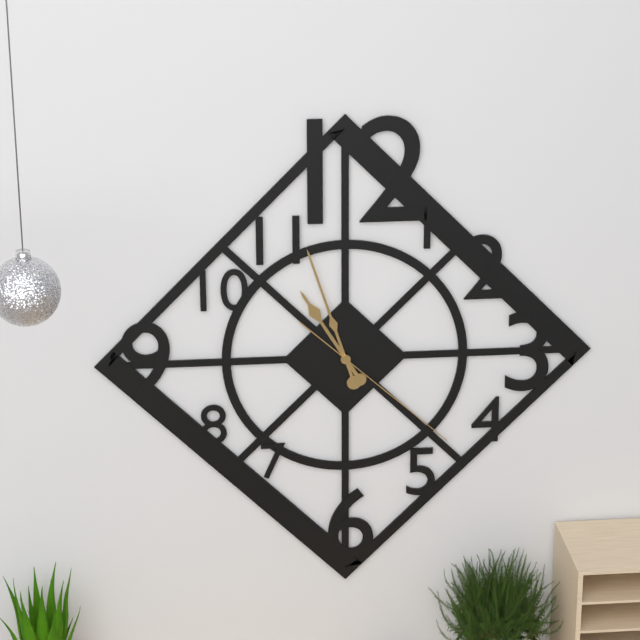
10h57m22s
